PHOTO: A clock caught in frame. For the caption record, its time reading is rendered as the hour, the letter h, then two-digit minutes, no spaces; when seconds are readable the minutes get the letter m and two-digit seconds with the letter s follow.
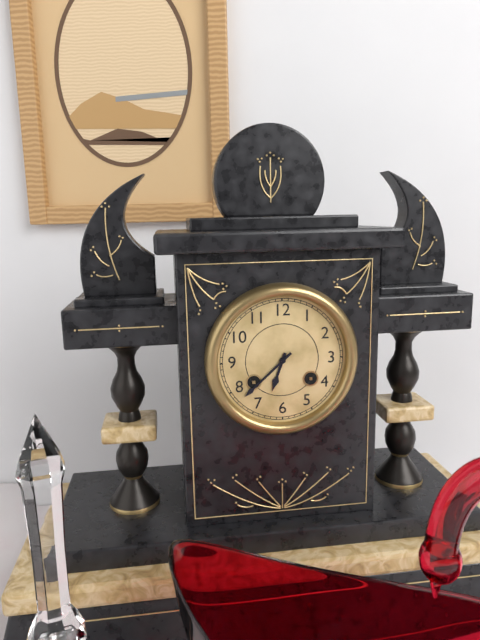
6h38
